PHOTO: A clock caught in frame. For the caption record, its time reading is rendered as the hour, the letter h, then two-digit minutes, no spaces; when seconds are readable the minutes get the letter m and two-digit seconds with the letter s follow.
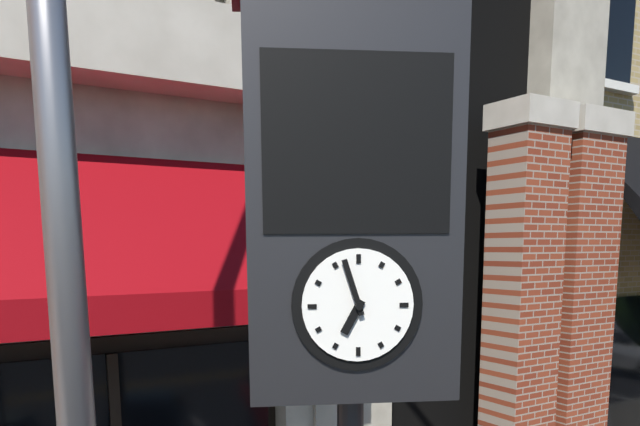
6h57
